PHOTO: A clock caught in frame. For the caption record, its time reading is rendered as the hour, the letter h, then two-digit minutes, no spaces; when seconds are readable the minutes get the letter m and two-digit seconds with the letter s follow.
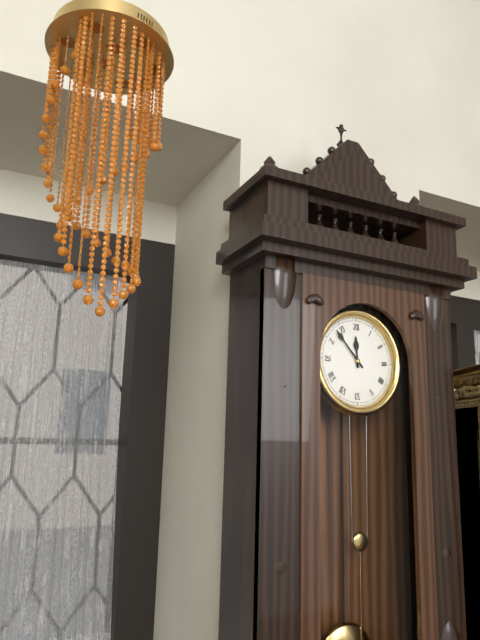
11h53
